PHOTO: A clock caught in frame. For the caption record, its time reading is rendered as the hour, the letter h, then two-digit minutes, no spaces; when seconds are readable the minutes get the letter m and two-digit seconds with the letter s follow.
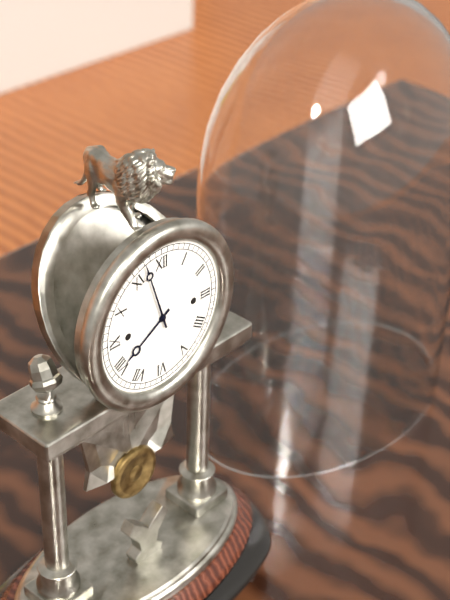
7h57
